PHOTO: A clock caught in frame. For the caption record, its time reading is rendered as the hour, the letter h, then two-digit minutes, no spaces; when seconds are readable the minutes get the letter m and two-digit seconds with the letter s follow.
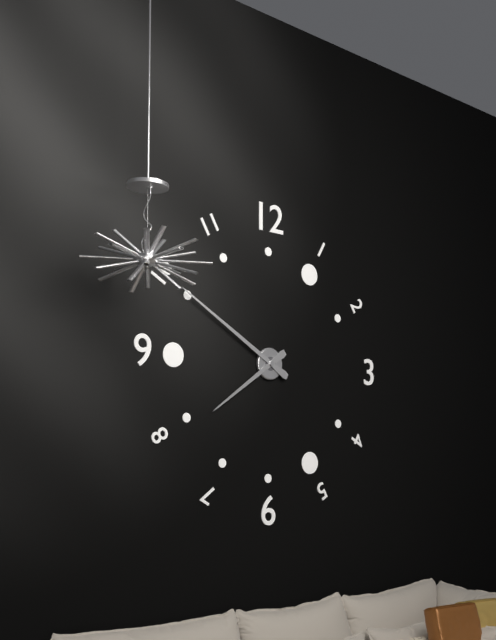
7h50
